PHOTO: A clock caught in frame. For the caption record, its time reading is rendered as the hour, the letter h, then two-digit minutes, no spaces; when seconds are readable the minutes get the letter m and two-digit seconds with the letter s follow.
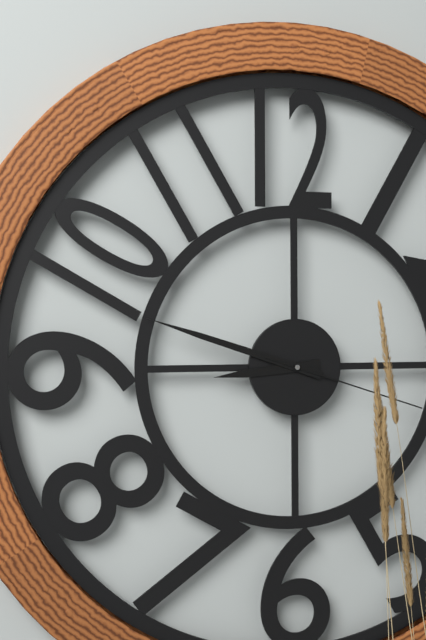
8h48m18s
